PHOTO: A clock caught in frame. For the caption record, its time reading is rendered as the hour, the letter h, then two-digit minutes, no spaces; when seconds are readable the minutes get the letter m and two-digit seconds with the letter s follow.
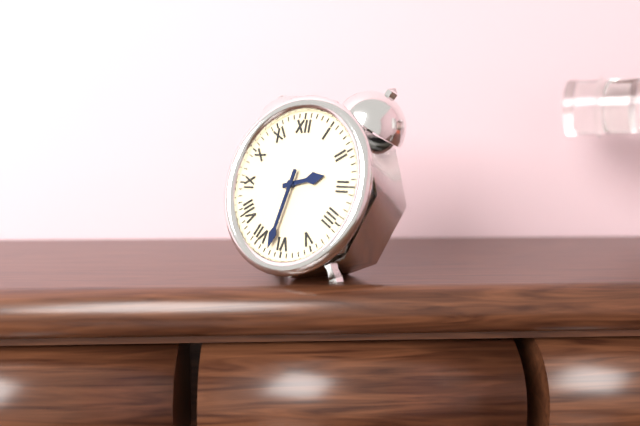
2h32
